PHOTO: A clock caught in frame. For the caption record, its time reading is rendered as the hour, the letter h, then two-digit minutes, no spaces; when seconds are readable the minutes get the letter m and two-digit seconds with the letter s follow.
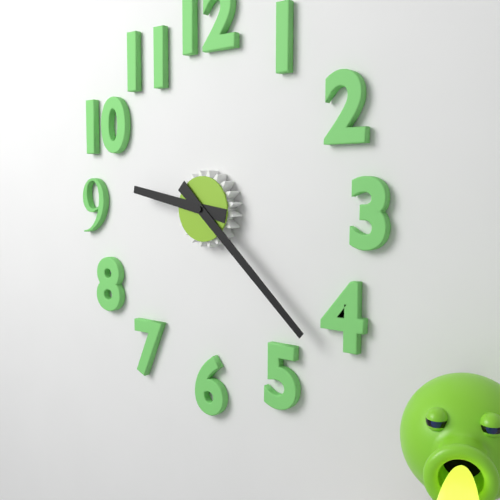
9h22
